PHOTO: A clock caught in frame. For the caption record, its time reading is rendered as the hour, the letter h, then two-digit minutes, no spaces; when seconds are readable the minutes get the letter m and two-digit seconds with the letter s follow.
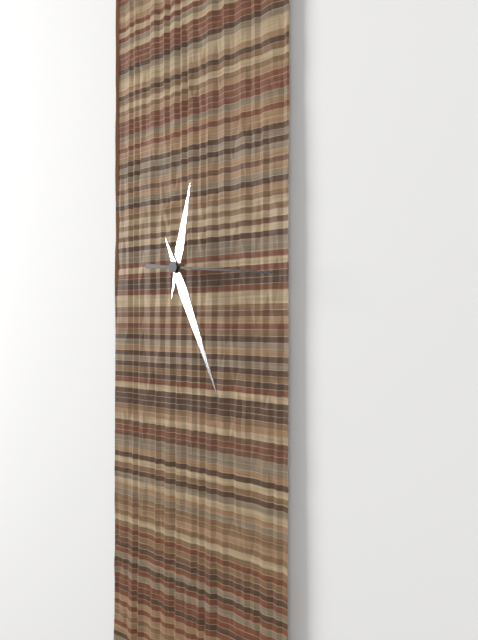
12h26m16s
